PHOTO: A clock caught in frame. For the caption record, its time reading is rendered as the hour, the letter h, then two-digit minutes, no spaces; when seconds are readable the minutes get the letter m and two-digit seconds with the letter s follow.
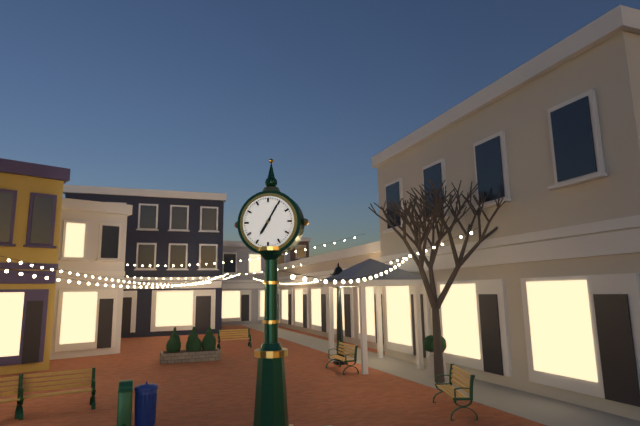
7h05
